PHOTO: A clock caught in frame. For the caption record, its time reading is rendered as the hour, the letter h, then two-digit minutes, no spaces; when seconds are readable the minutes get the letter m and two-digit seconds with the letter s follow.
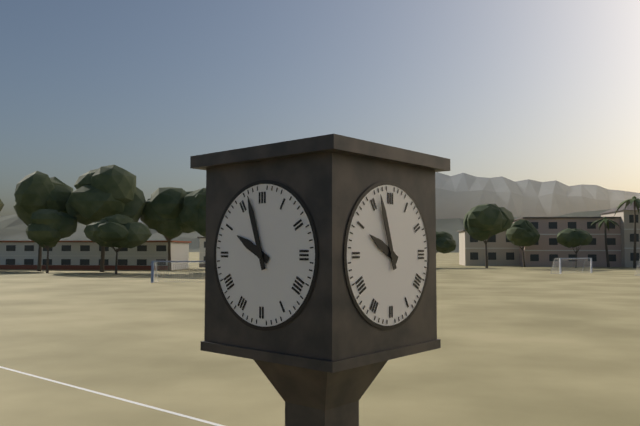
9h57
